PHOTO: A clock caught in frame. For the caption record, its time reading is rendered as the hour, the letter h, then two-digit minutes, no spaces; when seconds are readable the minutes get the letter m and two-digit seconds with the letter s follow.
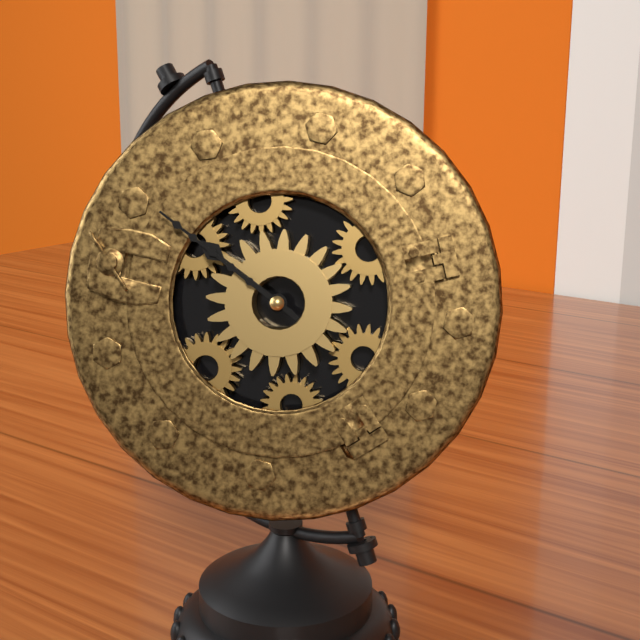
9h49
